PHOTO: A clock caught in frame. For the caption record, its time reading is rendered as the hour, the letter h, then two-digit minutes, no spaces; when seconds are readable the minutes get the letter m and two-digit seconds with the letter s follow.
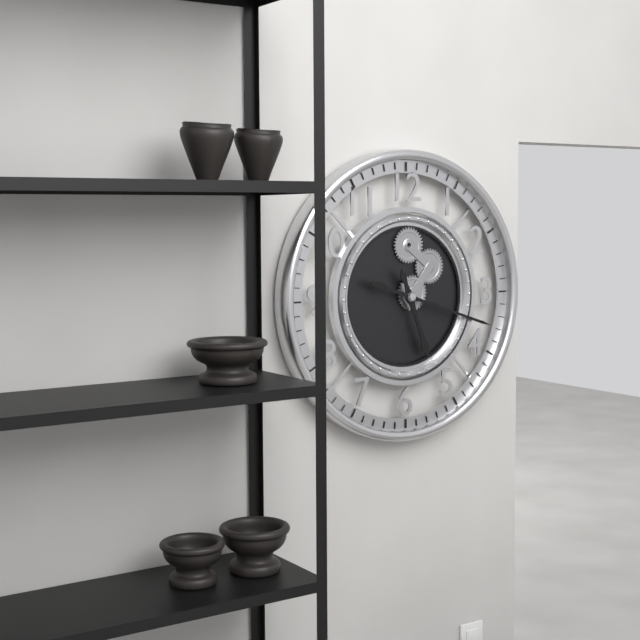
5h18
